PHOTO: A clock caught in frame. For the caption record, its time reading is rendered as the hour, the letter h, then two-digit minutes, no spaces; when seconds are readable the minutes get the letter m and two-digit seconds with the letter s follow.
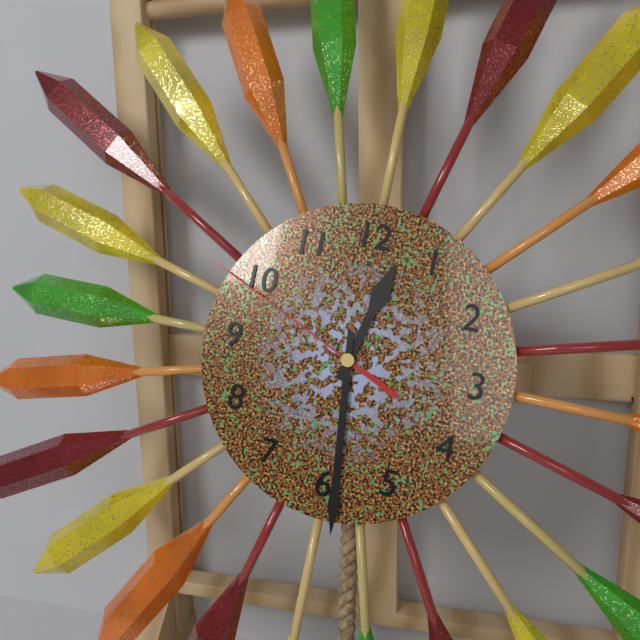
12h29m49s
